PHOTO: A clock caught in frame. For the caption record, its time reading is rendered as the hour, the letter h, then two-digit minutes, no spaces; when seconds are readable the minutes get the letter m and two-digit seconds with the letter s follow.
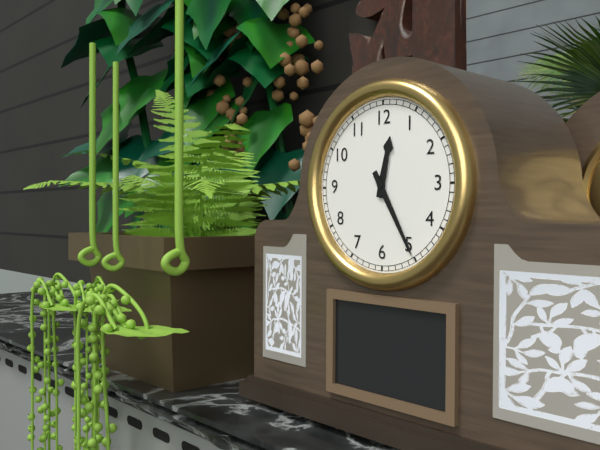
12h25
